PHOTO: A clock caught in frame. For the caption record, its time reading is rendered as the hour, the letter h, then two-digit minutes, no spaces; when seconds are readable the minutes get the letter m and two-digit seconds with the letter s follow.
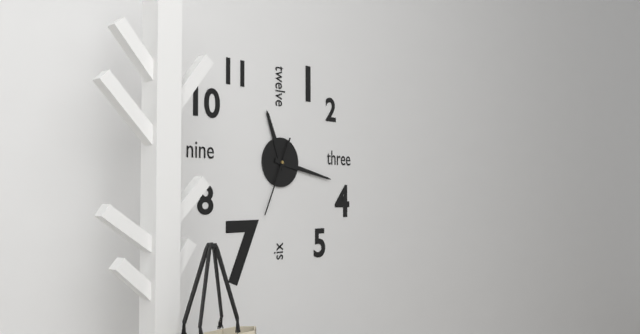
11h17m34s
